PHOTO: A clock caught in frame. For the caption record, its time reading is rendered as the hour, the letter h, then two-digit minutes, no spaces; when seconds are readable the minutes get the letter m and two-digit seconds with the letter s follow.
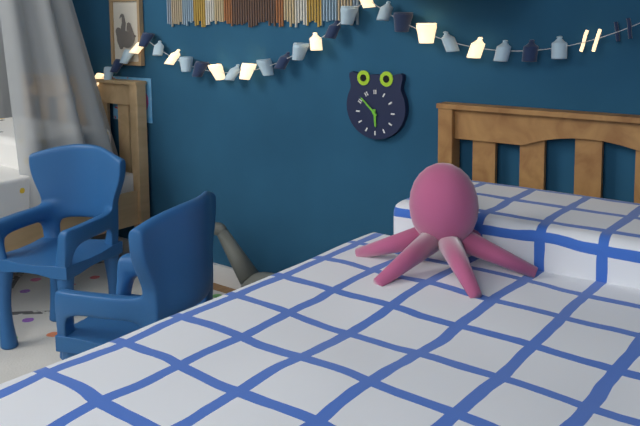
5h52
